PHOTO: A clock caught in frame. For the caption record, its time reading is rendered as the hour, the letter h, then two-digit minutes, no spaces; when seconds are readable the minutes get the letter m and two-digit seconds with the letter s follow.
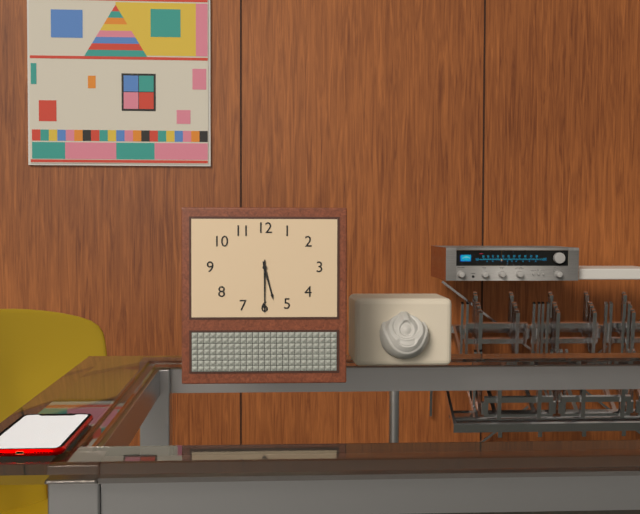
5h30
